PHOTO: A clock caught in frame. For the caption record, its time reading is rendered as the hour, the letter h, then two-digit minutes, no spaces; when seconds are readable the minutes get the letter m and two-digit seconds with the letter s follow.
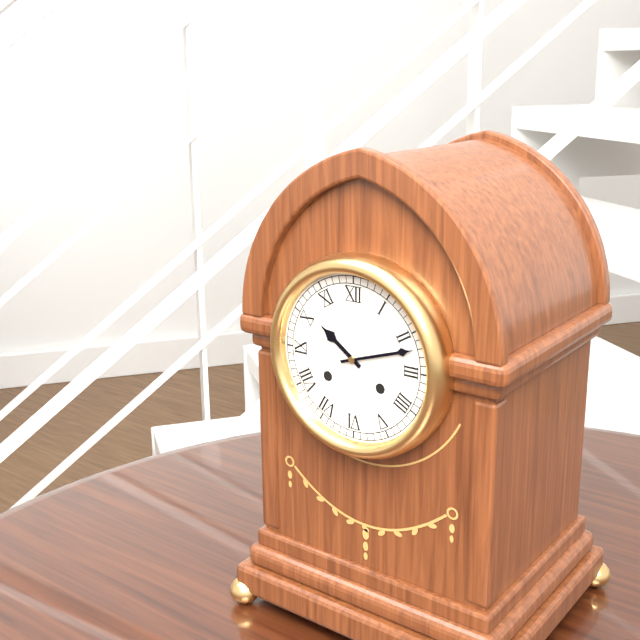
10h12
